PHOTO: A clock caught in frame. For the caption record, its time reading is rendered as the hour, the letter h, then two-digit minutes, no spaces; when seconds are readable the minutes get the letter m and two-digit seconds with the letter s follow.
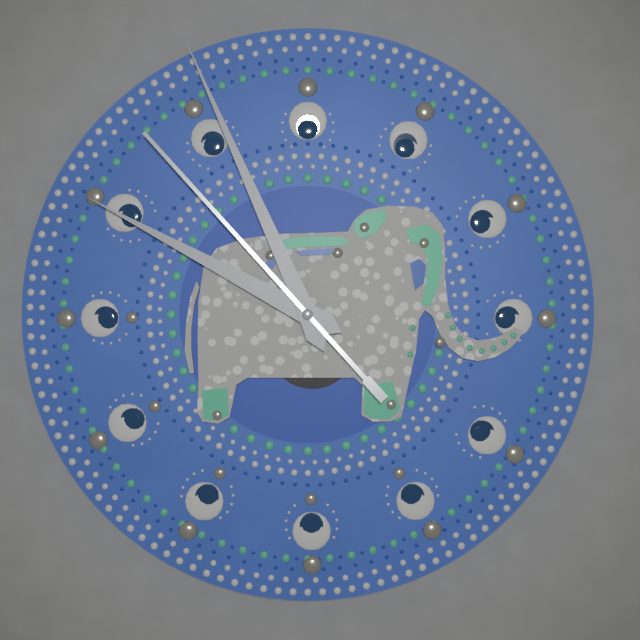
9h56m53s
